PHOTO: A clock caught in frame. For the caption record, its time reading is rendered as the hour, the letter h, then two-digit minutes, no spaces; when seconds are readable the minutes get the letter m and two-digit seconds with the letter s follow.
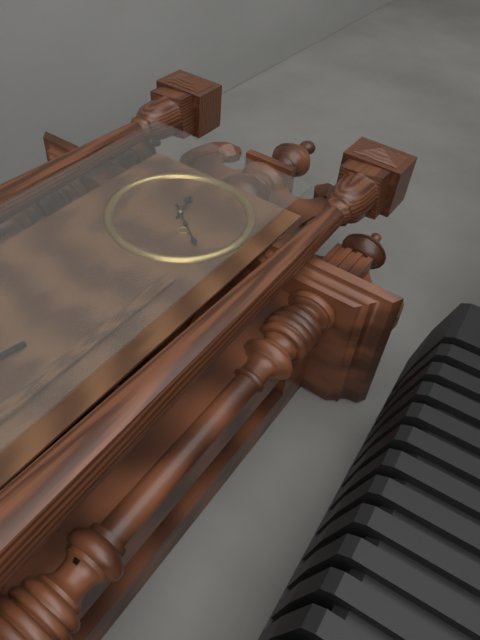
11h21
